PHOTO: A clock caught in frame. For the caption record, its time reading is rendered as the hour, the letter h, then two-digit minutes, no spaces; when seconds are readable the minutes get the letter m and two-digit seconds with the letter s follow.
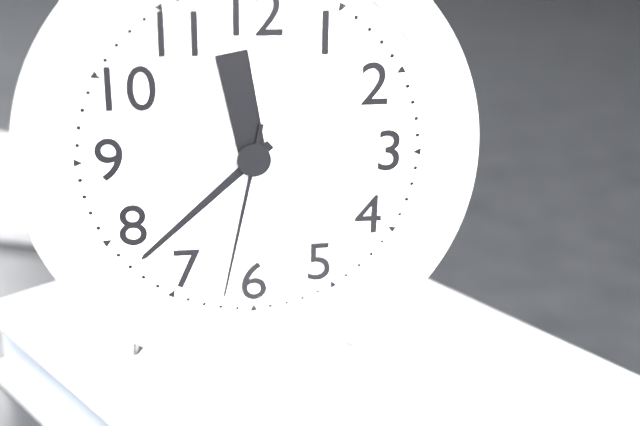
11h38m32s
